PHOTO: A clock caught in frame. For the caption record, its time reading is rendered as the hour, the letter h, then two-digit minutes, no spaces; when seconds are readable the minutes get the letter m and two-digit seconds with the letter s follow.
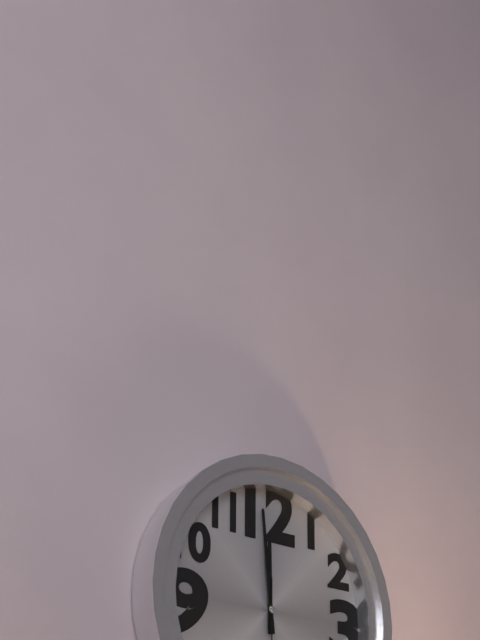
11h59
